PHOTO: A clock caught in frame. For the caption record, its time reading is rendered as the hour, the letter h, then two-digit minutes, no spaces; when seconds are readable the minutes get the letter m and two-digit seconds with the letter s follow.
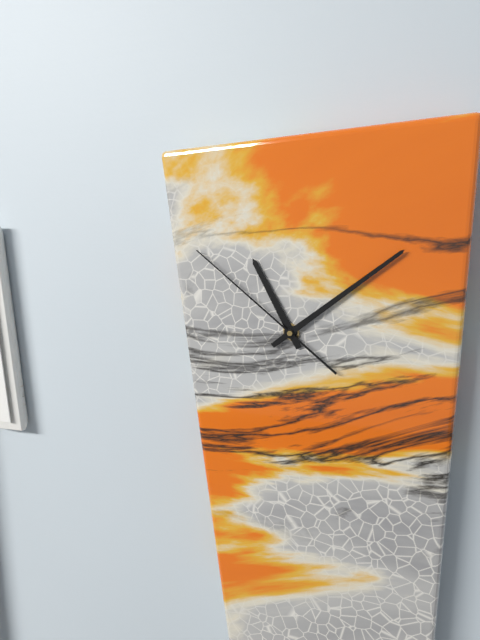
11h09m52s
